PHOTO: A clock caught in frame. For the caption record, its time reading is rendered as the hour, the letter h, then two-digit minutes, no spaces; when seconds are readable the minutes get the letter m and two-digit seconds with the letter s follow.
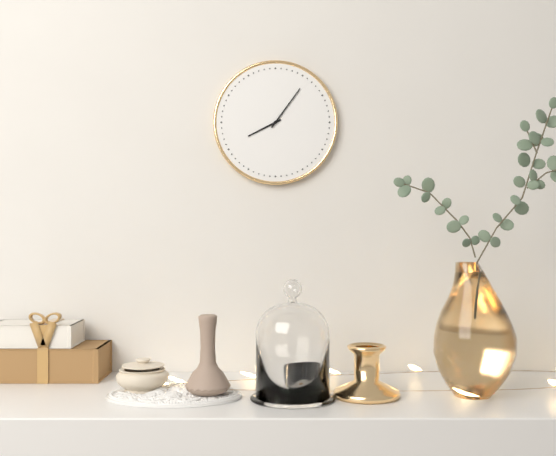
8h06
